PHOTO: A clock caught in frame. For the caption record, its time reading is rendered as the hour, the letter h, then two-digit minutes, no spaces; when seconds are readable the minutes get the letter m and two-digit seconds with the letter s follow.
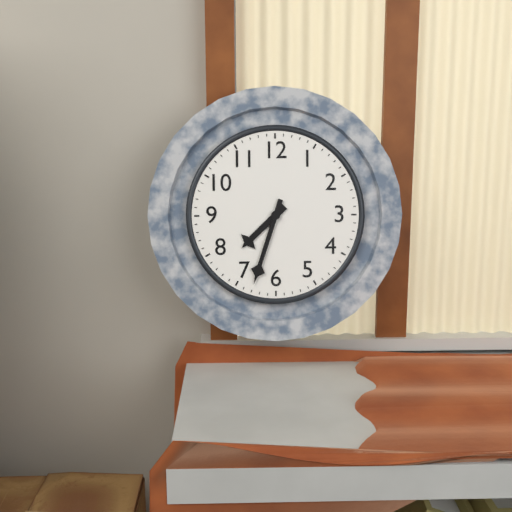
7h33
